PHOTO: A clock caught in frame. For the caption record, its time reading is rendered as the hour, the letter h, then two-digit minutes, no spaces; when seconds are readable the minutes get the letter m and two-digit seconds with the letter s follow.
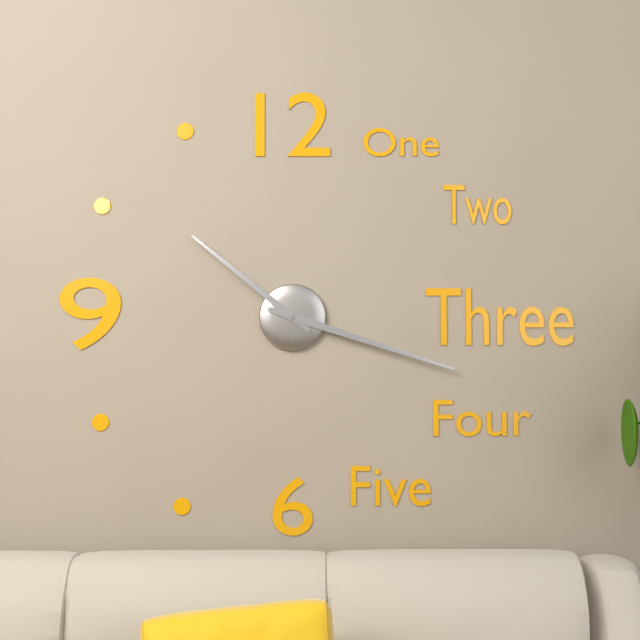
10h18
